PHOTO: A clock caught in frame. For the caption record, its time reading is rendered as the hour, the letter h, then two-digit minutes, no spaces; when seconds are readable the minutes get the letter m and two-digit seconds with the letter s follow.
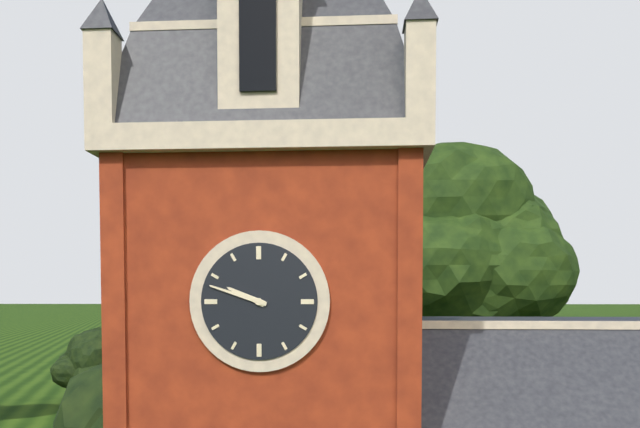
9h48
